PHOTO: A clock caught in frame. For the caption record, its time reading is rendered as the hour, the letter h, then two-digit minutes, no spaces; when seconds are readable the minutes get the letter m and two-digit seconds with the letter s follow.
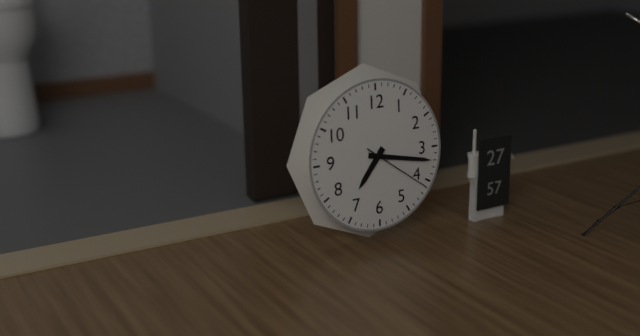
7h17m21s
